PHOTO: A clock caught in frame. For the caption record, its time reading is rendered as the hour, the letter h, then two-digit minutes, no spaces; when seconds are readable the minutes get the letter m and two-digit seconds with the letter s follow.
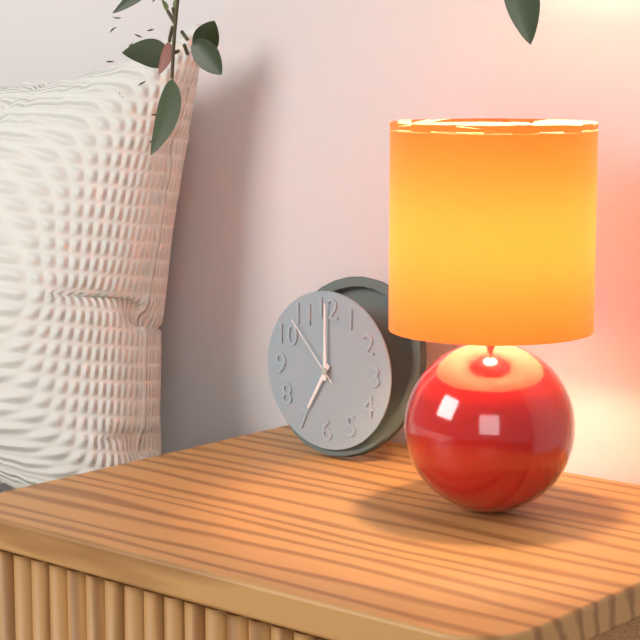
7h00m53s
